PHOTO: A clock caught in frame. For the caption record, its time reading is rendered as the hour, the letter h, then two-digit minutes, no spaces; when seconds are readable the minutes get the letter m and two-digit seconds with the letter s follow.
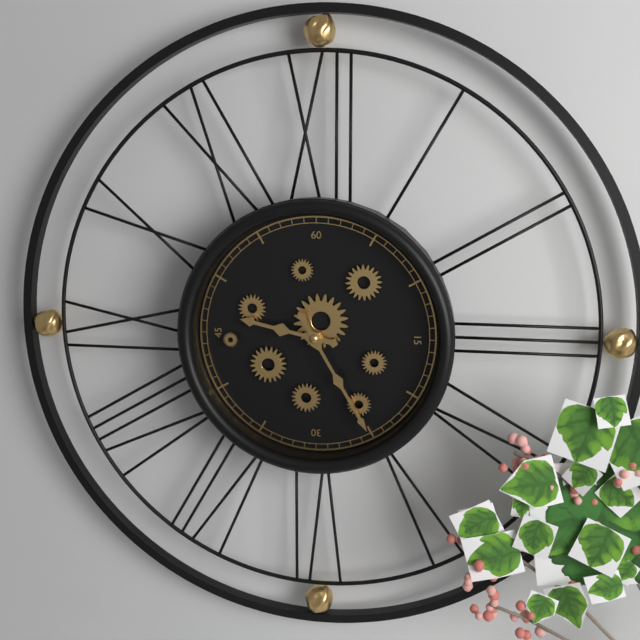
9h25
